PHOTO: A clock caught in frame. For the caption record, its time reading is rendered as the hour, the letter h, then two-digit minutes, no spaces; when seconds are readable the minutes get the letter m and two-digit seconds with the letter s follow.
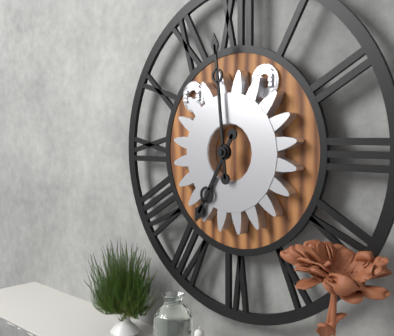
6h59
